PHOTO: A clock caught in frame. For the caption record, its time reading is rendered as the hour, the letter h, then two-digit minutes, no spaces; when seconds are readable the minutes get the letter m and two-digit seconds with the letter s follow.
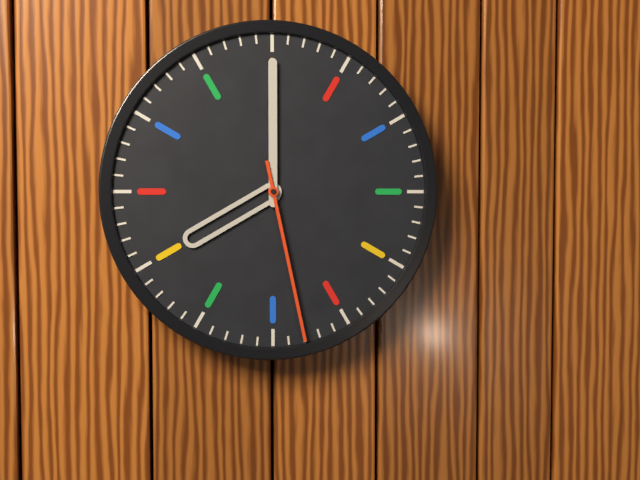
8h00m28s
